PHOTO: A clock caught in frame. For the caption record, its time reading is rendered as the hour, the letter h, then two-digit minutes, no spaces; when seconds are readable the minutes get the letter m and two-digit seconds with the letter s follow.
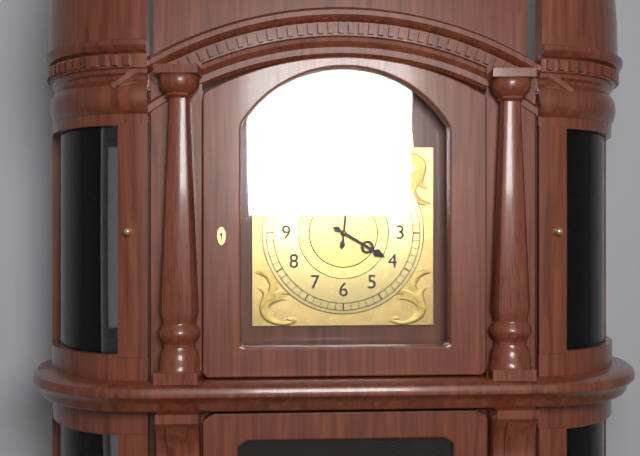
4h01
